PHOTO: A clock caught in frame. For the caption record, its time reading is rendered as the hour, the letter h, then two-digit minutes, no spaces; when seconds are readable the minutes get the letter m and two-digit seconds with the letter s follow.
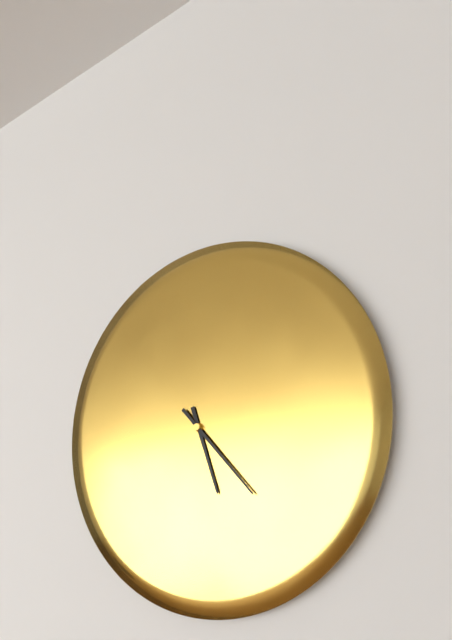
5h23
